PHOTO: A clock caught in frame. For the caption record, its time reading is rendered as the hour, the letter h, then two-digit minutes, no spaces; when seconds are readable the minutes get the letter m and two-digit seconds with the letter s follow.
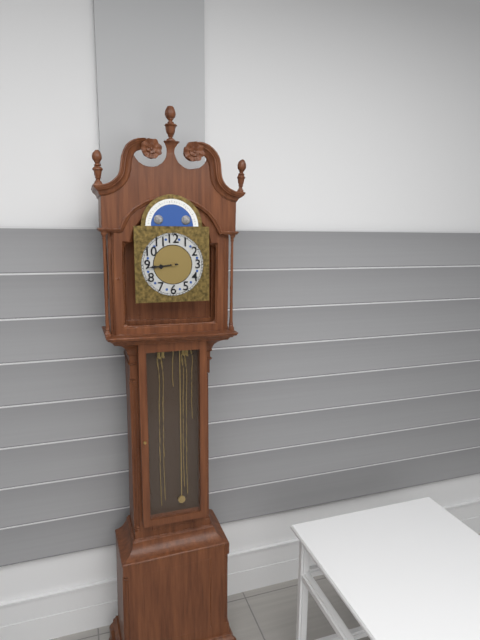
8h44
